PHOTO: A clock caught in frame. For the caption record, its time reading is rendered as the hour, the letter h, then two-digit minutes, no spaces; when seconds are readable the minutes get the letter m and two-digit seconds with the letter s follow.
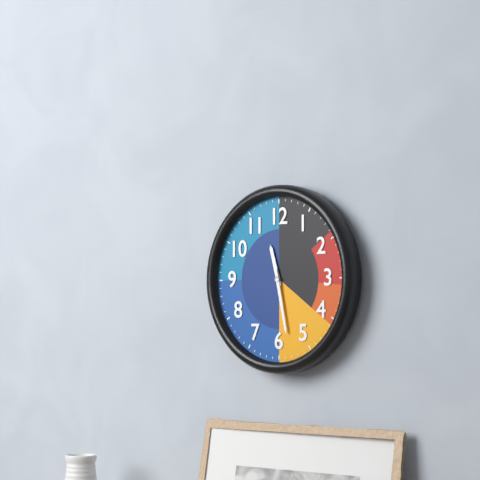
11h28
